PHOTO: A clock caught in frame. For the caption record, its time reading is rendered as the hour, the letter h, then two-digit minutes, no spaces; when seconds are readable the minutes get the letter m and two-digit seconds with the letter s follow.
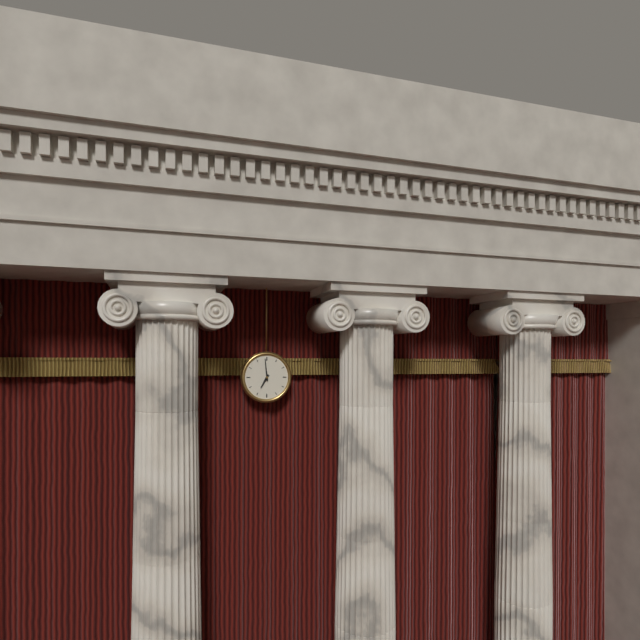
6h59
